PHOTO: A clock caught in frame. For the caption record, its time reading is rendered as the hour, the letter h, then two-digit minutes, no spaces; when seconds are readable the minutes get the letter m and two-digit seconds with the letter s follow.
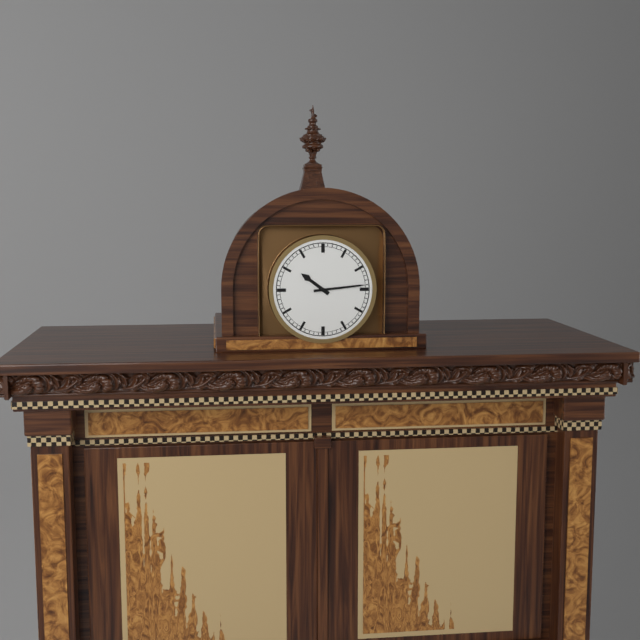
10h14
